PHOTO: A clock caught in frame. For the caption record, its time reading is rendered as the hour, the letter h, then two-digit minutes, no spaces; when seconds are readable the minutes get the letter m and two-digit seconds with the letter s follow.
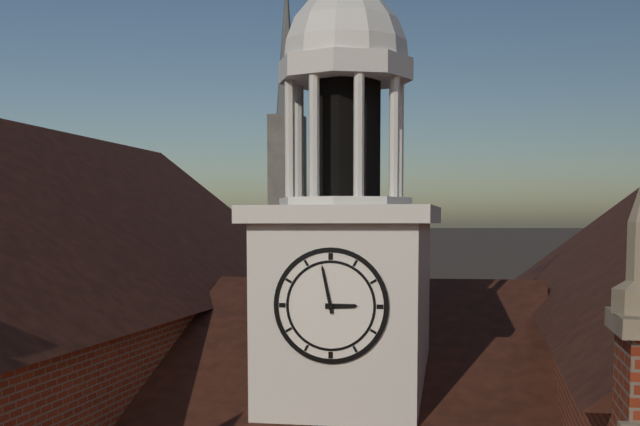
2h58
